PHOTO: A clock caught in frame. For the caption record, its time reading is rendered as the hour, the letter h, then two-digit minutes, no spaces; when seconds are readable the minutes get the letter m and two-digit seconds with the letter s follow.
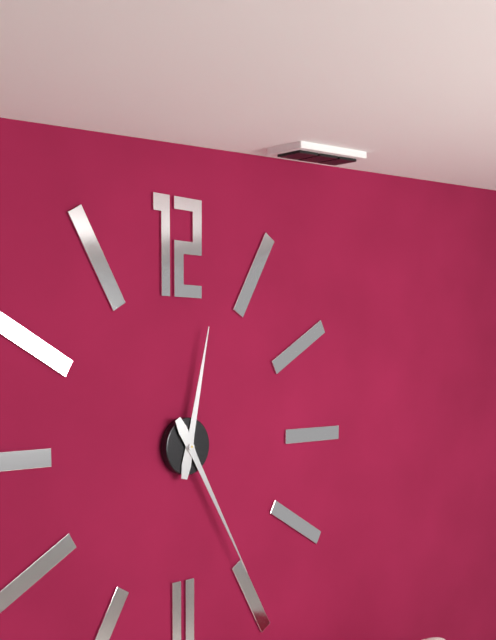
12h25
